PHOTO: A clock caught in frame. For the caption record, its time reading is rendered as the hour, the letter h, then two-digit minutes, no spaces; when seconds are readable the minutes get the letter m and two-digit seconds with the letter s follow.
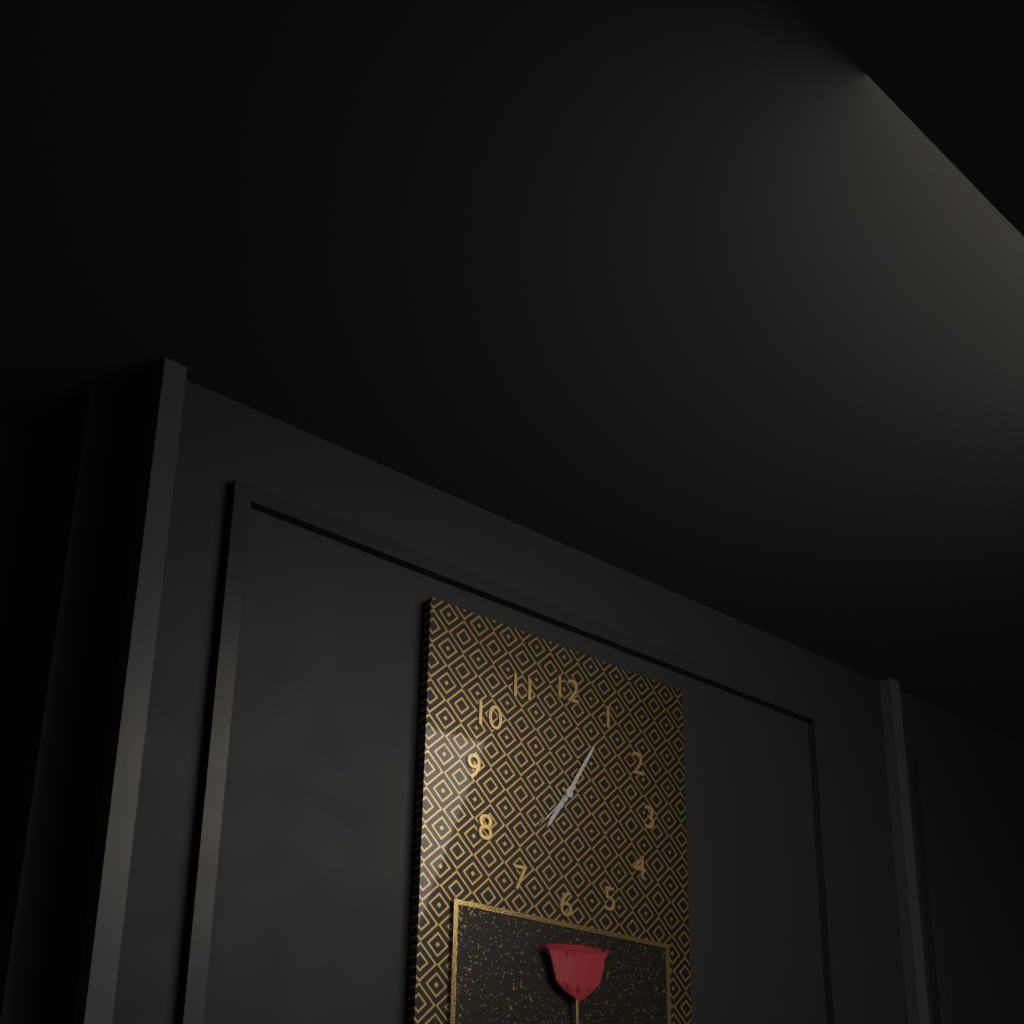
7h05m37s
